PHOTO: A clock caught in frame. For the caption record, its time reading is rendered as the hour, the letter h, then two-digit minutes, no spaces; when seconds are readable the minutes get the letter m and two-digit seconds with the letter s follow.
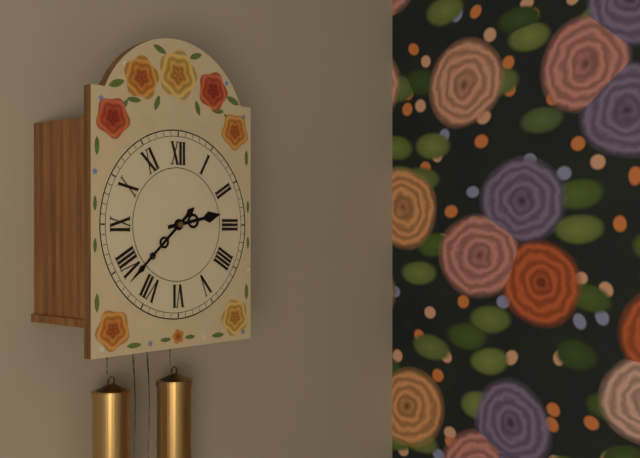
2h38
